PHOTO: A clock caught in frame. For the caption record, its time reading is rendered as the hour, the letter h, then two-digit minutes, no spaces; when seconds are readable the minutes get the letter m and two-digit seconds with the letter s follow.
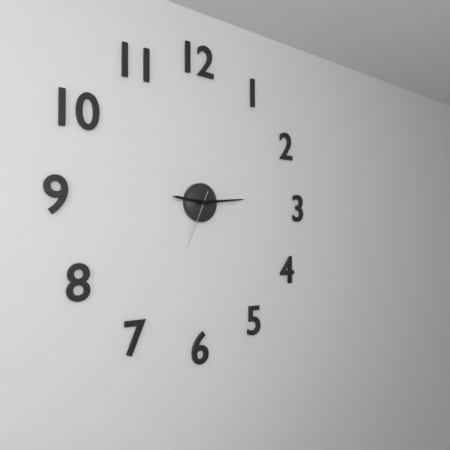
9h14m34s
